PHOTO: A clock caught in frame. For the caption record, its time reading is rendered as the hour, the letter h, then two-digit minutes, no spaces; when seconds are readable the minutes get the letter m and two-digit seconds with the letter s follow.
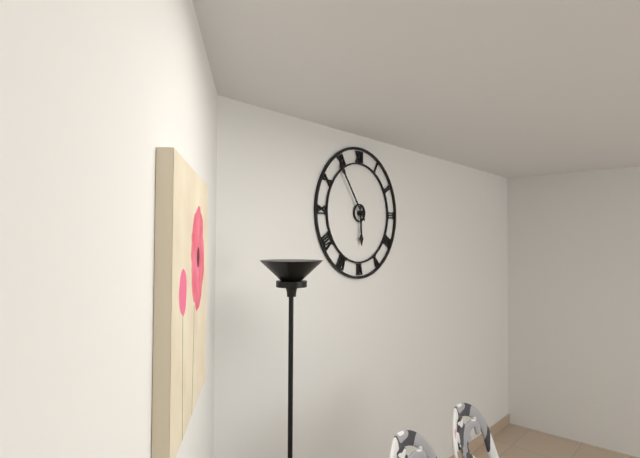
5h54
